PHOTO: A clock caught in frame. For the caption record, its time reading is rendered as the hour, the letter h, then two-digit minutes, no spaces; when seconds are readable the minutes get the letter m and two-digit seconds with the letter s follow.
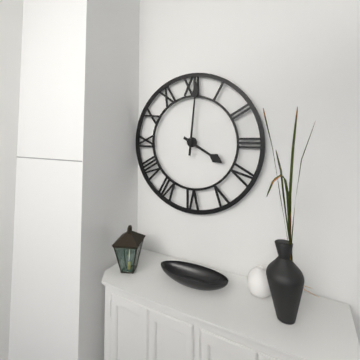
4h01
